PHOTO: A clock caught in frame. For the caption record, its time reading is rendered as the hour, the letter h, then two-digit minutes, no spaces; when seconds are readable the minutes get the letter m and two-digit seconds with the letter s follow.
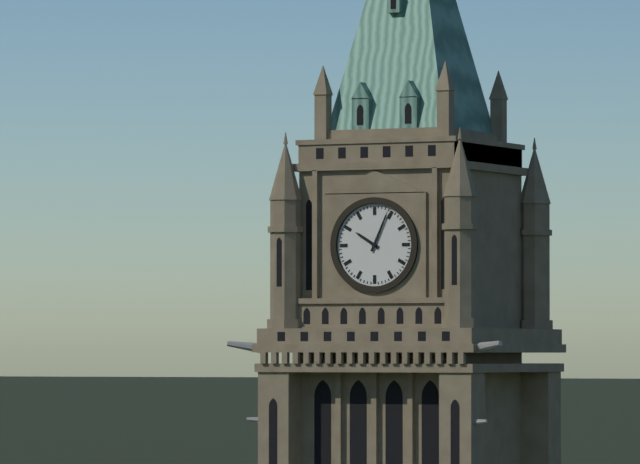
10h04
